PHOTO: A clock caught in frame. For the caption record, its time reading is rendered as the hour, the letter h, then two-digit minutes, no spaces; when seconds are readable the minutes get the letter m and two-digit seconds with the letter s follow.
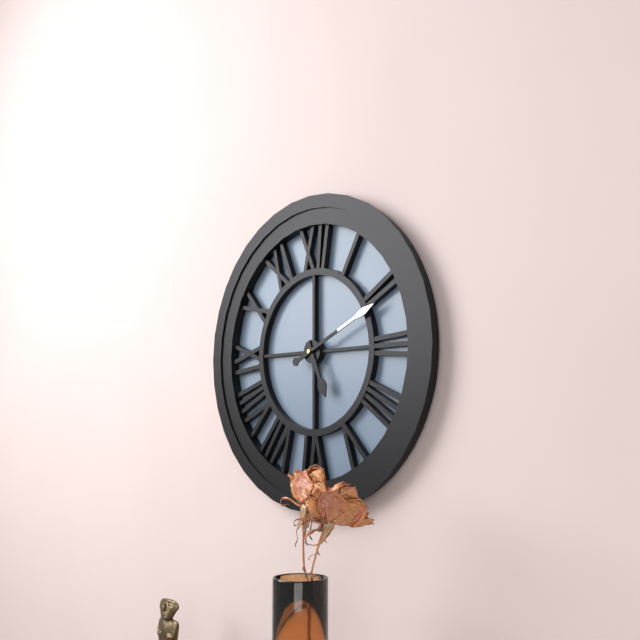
5h11
